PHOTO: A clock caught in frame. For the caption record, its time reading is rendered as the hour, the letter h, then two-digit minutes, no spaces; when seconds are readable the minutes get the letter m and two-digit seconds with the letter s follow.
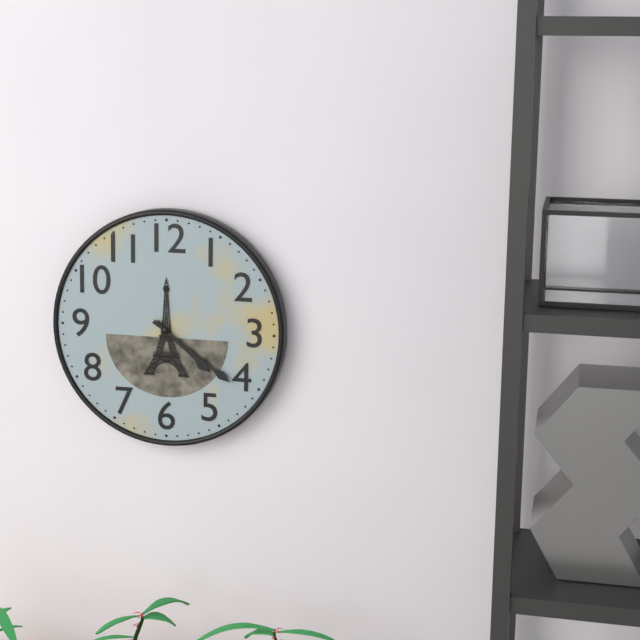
4h21
